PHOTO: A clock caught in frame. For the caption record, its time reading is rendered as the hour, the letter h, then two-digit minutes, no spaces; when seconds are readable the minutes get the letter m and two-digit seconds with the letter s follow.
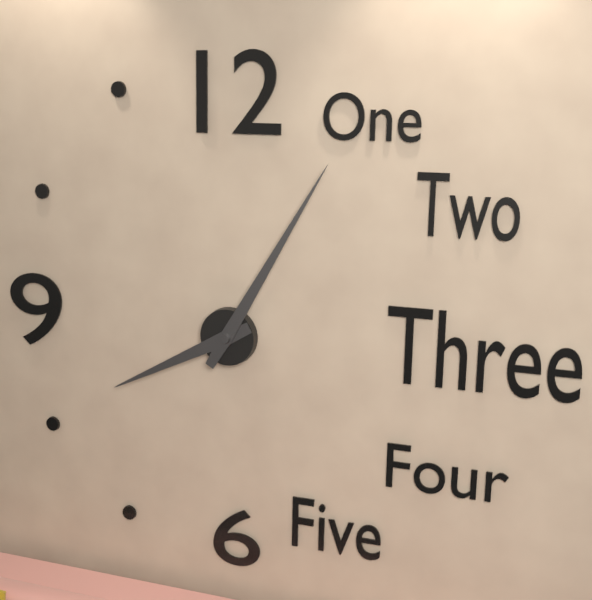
8h05
